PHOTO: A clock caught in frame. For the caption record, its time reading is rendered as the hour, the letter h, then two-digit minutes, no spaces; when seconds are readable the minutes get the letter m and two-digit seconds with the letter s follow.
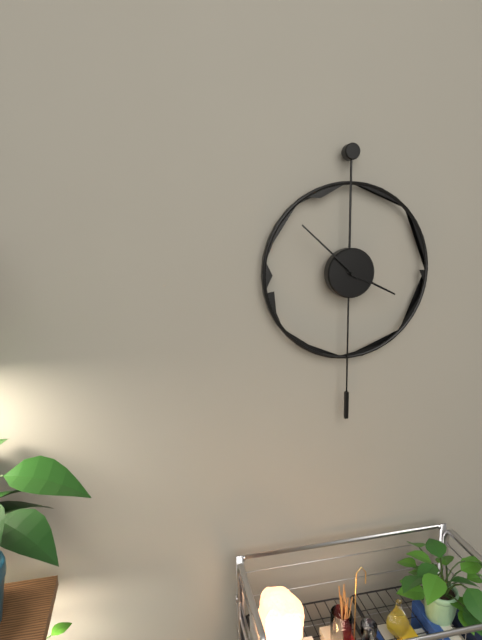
3h52
